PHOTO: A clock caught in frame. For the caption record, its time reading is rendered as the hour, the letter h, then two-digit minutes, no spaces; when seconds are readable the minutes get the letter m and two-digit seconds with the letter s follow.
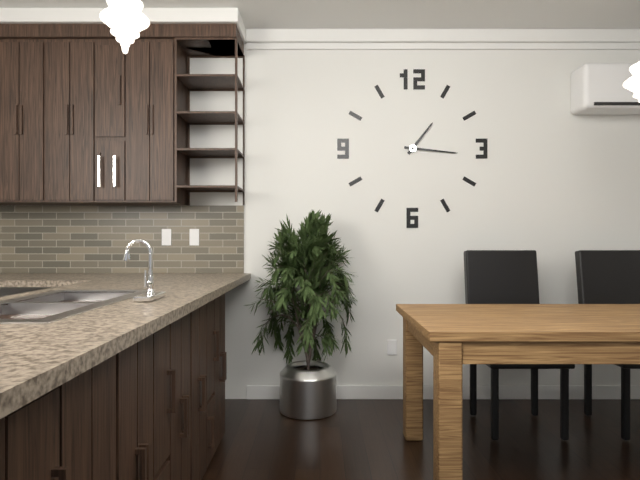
1h16
